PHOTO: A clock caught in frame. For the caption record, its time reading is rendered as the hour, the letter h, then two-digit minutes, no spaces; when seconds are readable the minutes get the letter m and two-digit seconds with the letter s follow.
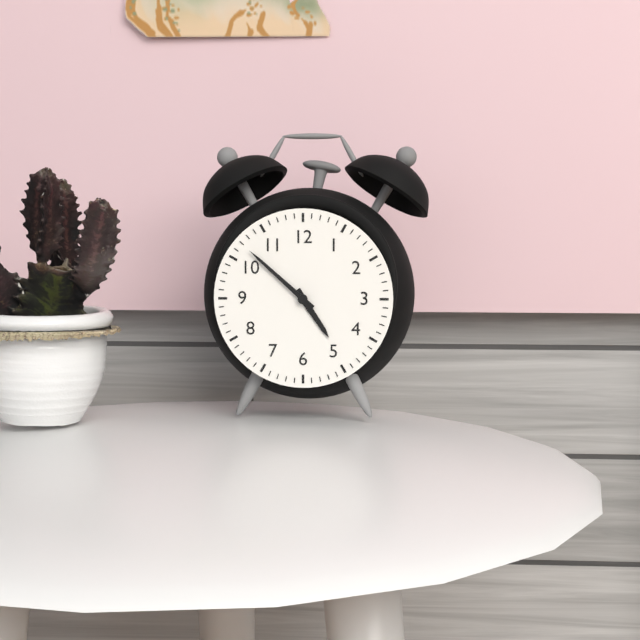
4h52
